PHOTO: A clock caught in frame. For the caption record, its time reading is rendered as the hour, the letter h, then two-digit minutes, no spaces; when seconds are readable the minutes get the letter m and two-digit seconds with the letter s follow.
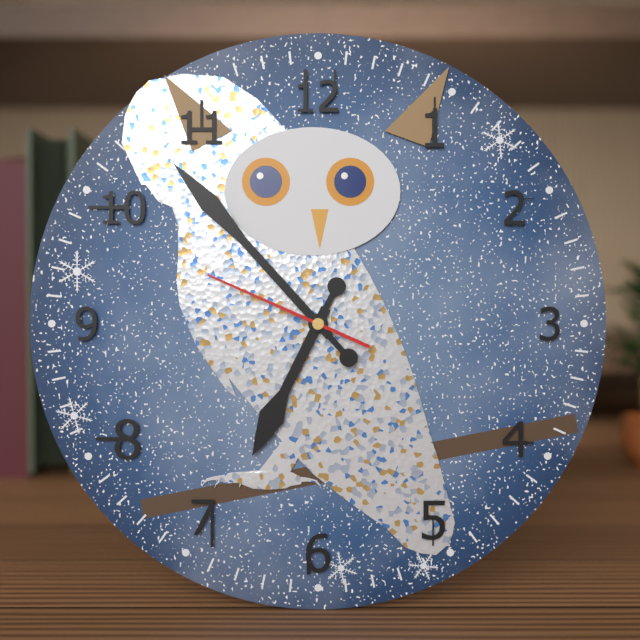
6h53m49s
